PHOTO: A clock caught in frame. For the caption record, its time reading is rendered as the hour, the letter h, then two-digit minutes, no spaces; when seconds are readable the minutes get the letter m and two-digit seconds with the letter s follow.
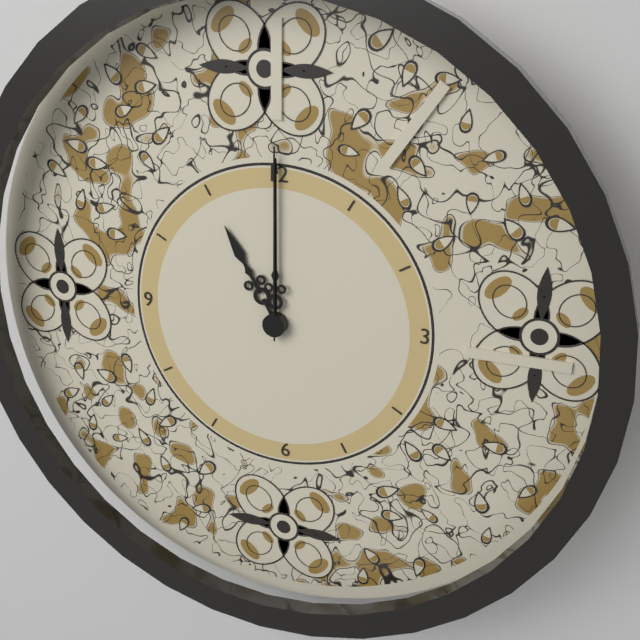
11h00m00s
